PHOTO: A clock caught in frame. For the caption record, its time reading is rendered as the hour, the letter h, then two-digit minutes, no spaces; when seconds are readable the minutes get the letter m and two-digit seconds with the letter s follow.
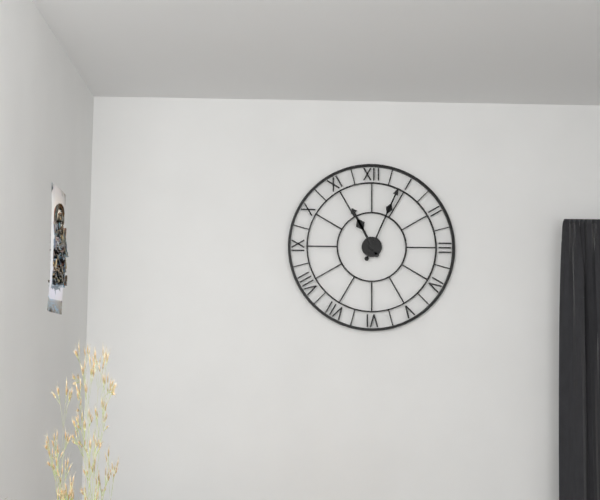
11h04
